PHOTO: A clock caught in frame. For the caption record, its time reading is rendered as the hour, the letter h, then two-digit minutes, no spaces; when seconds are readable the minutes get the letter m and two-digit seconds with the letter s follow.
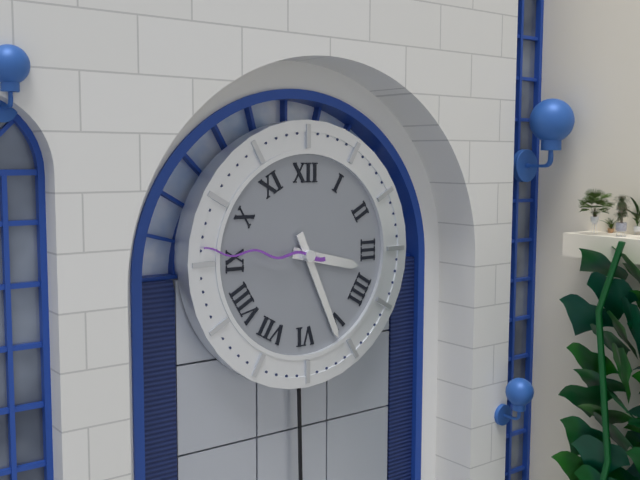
3h26m46s
